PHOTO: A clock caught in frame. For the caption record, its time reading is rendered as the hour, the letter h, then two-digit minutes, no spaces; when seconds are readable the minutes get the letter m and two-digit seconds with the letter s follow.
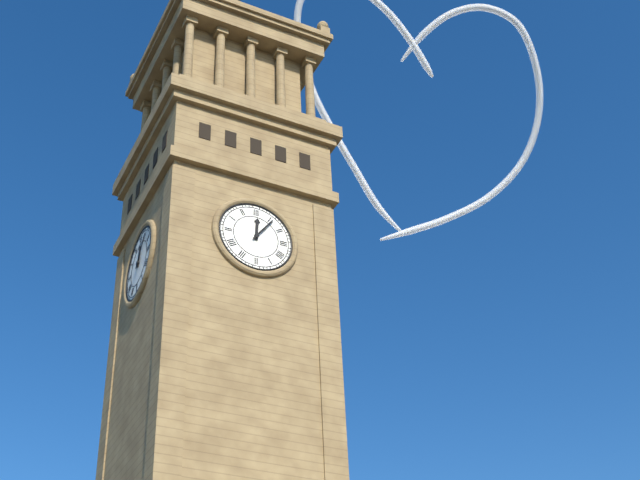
12h06
